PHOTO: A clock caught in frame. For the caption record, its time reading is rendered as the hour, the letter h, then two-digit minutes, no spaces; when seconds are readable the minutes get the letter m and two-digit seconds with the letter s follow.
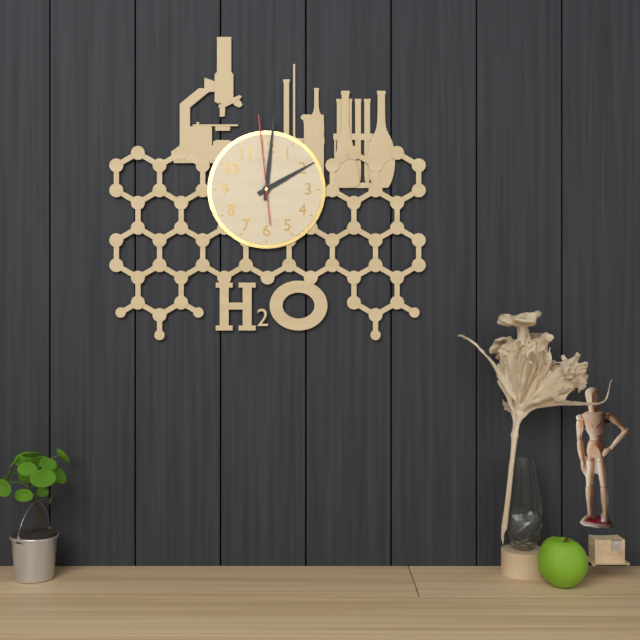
2h01m59s
